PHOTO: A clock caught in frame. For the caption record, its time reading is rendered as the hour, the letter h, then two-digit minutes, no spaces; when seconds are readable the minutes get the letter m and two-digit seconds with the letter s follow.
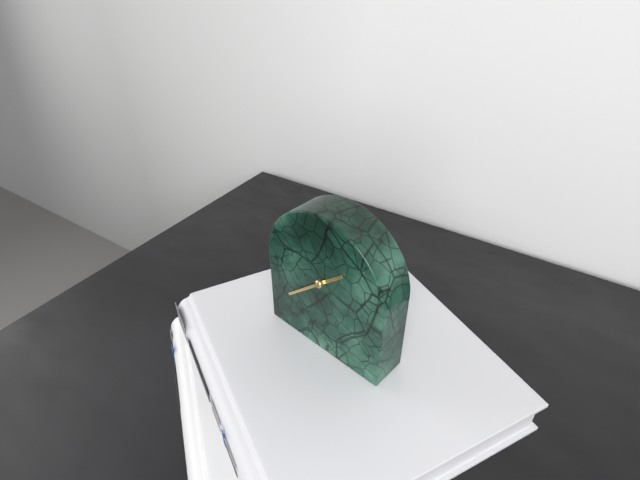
1h38
